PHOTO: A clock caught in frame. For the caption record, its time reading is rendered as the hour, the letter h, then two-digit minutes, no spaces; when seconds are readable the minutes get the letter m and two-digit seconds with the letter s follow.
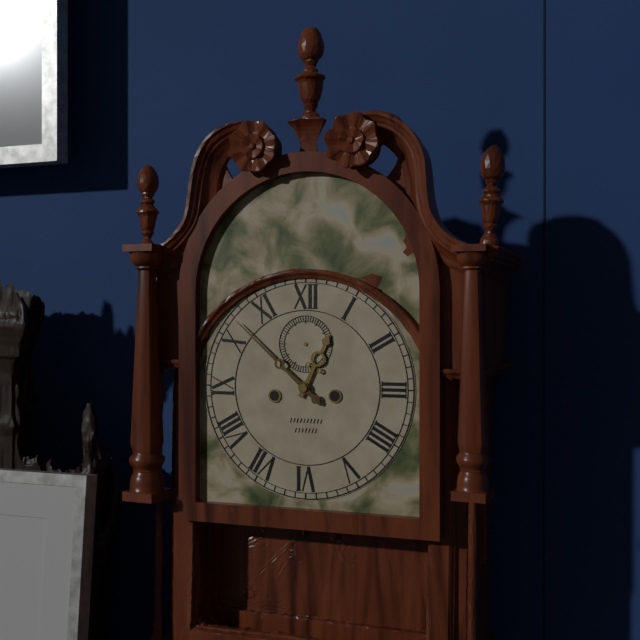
12h52
